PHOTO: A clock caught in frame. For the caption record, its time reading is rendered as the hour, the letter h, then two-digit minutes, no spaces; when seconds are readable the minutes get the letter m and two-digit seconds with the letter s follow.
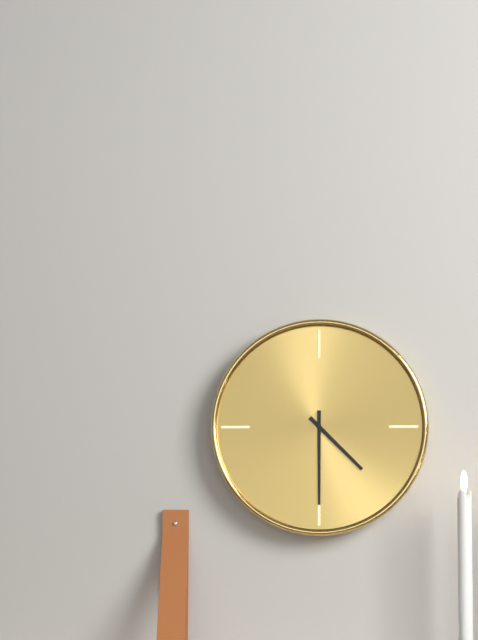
4h30
